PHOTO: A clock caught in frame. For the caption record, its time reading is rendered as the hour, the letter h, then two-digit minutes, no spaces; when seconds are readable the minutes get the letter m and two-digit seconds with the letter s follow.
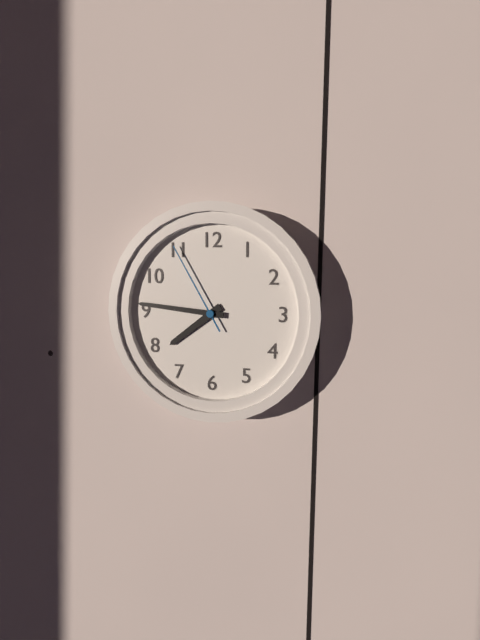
7h46m55s
